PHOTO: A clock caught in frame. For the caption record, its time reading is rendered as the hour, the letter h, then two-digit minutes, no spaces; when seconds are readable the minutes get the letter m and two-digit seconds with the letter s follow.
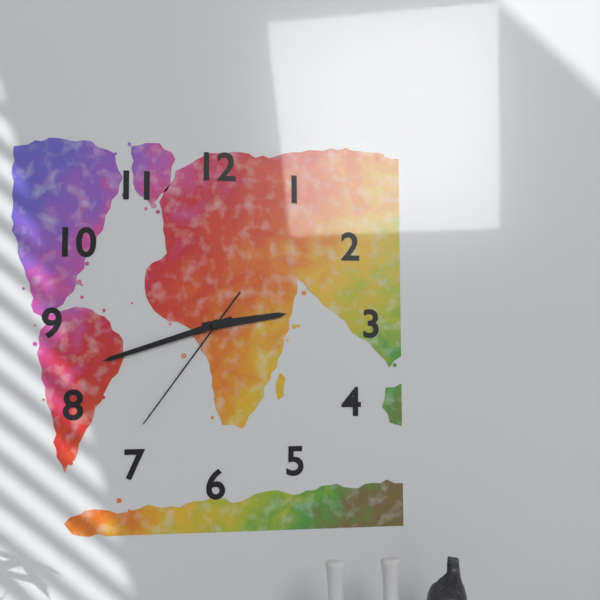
2h42m36s
